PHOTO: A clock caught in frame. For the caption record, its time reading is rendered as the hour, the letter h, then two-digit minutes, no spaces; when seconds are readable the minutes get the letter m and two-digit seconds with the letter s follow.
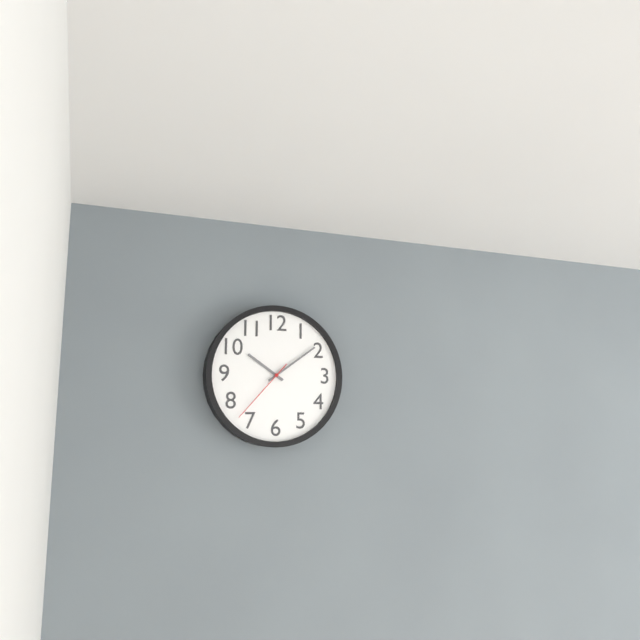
10h09m37s
